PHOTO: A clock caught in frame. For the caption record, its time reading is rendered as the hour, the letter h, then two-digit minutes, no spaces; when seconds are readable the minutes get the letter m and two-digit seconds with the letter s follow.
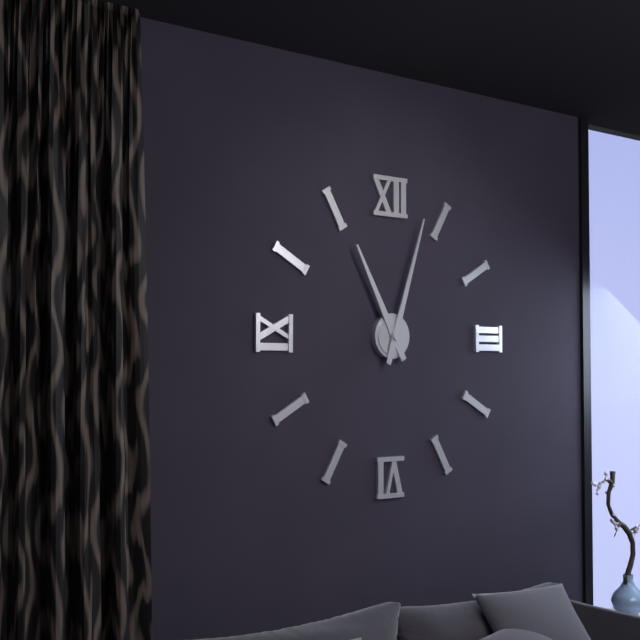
11h03
